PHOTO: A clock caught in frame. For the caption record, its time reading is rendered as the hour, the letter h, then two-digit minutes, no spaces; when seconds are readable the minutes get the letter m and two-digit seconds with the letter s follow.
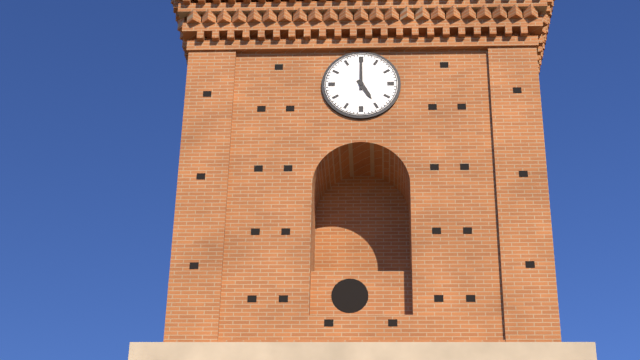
5h00
